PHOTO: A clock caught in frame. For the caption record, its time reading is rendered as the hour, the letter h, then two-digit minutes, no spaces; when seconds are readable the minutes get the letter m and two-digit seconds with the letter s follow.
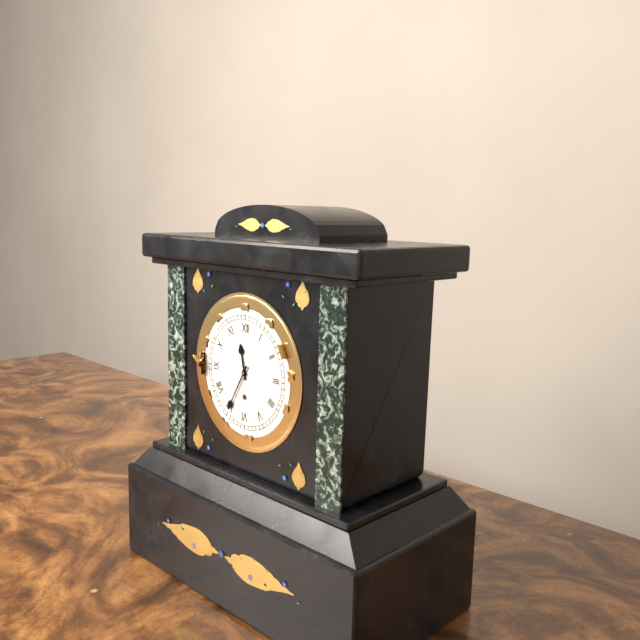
11h35
